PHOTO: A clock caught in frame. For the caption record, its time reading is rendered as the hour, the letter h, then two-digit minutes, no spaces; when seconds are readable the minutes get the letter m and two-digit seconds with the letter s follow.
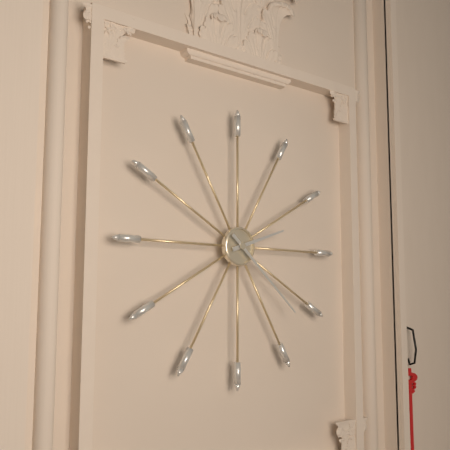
2h22
